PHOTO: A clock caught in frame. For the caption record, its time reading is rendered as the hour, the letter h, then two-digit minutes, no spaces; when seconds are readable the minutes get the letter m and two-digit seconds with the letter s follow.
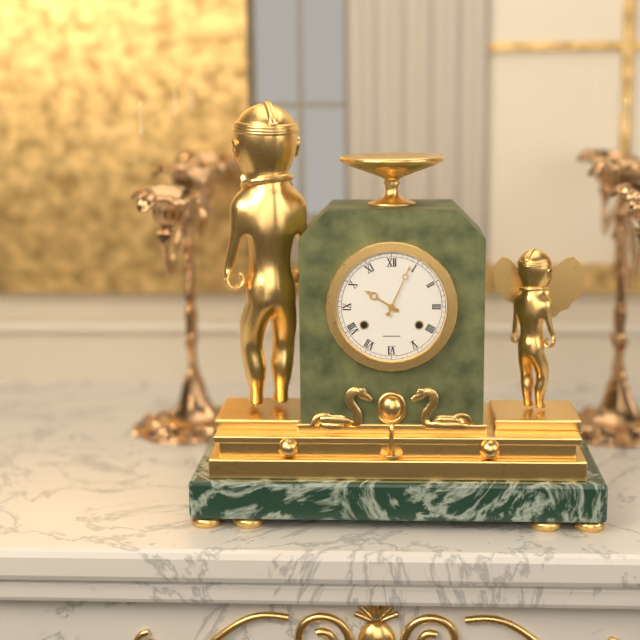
10h04
